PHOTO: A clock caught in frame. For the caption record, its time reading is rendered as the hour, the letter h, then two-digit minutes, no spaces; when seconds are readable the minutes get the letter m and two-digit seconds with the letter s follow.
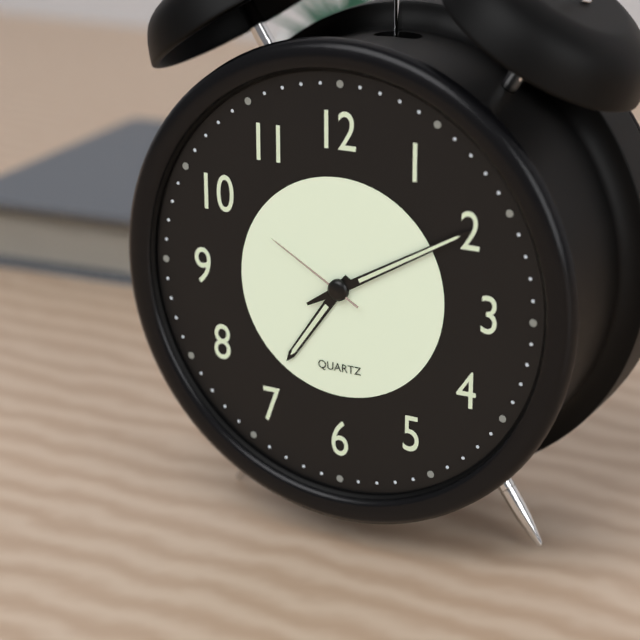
7h10m50s
